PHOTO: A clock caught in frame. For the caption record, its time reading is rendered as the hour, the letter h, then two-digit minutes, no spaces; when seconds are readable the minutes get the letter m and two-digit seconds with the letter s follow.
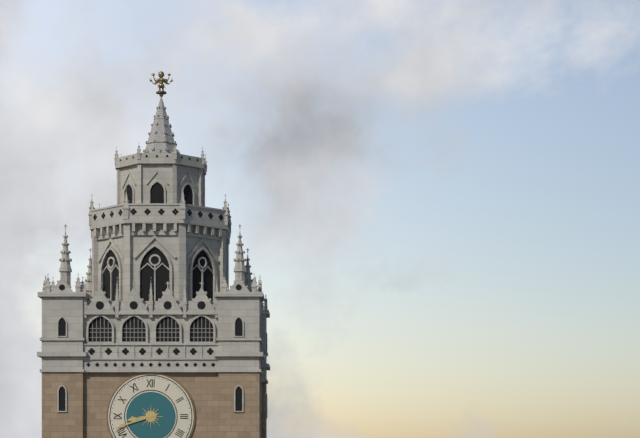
8h42
